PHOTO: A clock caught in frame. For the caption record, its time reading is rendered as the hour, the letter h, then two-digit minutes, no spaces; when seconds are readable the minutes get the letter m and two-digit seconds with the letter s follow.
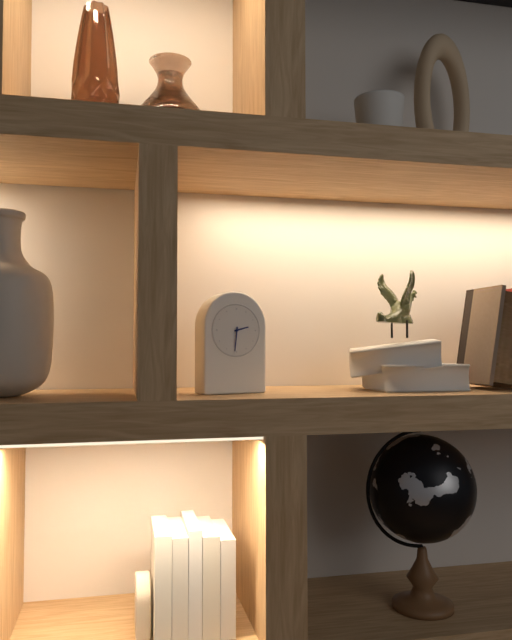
2h31
